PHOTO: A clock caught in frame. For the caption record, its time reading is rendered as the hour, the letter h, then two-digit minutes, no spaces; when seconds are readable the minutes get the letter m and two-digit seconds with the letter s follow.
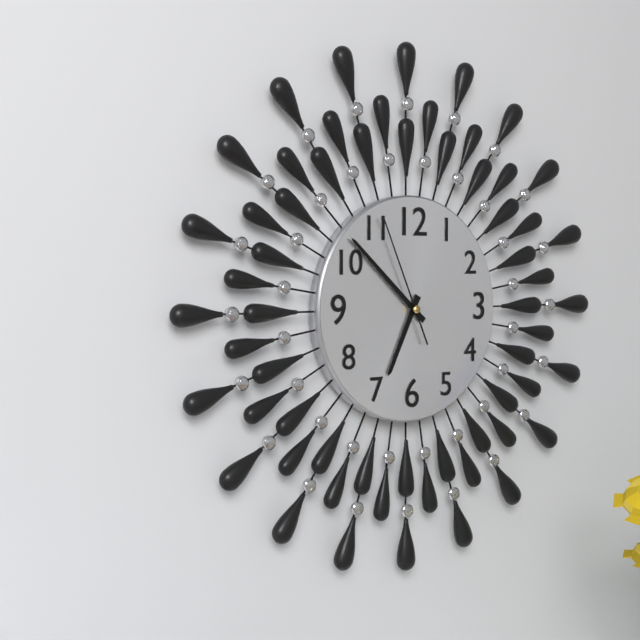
6h52m56s
